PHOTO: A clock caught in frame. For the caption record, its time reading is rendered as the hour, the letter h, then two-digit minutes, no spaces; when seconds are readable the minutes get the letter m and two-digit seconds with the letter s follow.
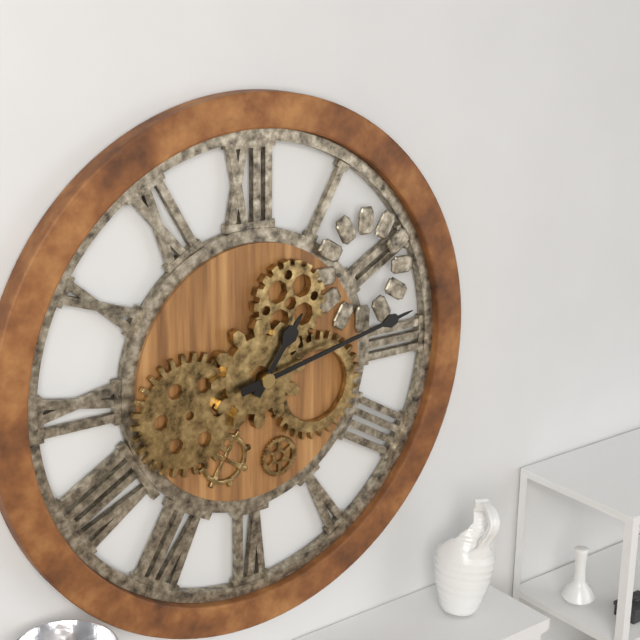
1h13
